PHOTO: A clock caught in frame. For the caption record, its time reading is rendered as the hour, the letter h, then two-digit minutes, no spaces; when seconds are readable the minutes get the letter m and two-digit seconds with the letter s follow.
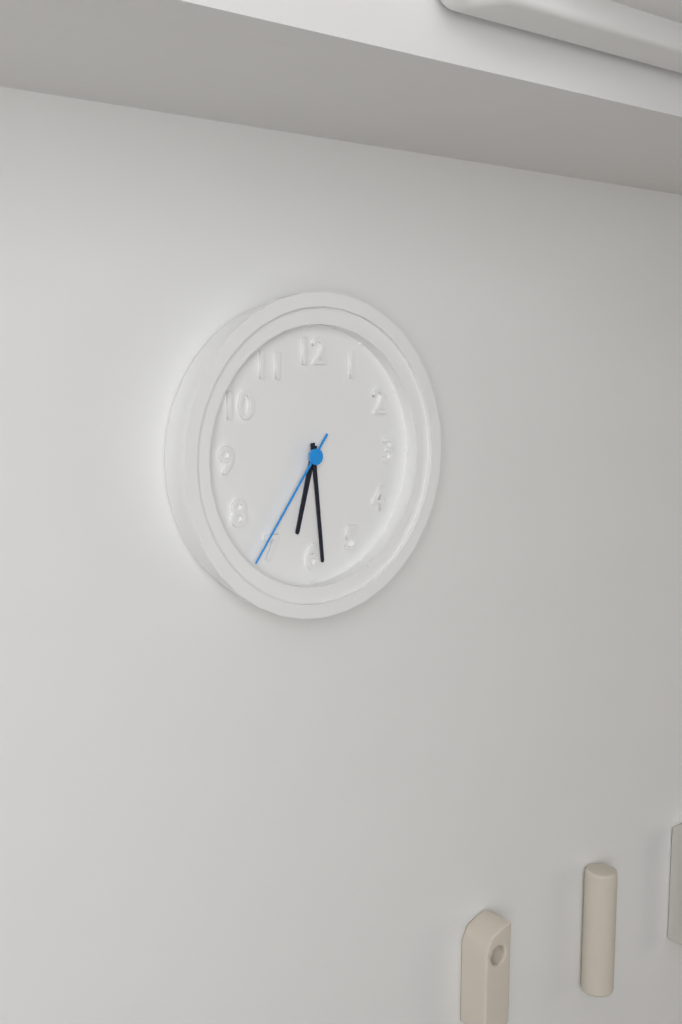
6h29m36s
